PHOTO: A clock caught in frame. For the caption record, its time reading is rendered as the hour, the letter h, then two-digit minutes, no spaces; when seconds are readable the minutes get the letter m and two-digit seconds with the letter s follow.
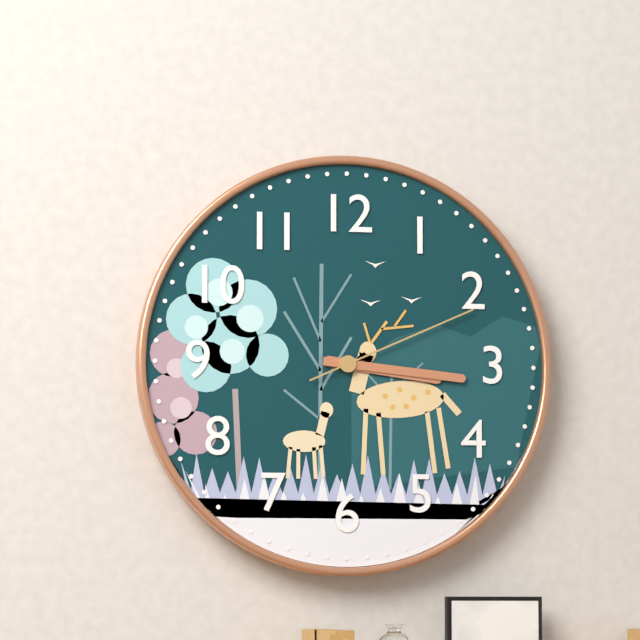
3h16m11s
